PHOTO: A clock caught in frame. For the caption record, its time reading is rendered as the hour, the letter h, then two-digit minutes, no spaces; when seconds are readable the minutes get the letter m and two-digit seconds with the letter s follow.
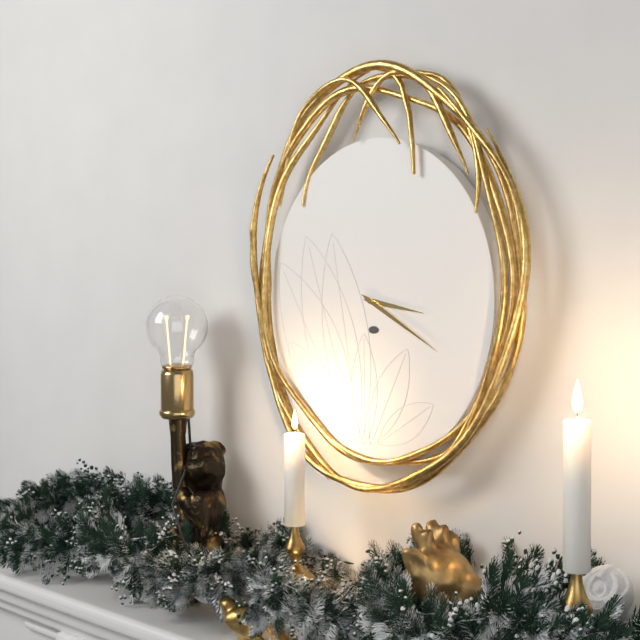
3h20
